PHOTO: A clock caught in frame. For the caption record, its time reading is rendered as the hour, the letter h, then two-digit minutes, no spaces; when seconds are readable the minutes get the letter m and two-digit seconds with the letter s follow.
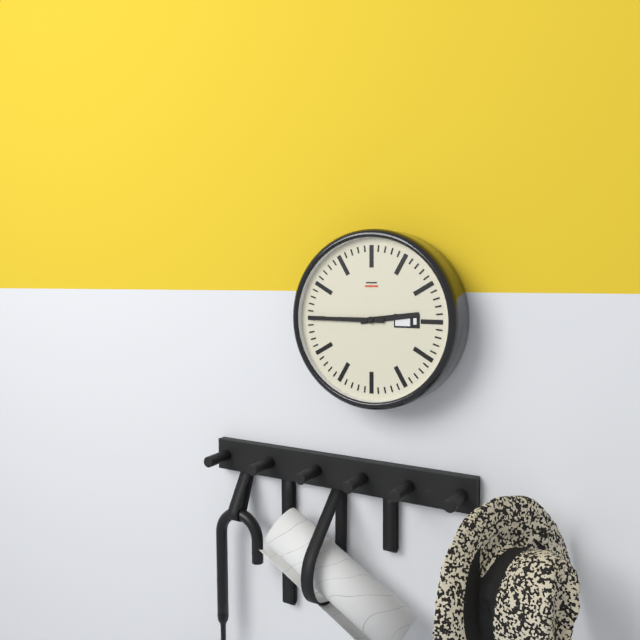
2h45
